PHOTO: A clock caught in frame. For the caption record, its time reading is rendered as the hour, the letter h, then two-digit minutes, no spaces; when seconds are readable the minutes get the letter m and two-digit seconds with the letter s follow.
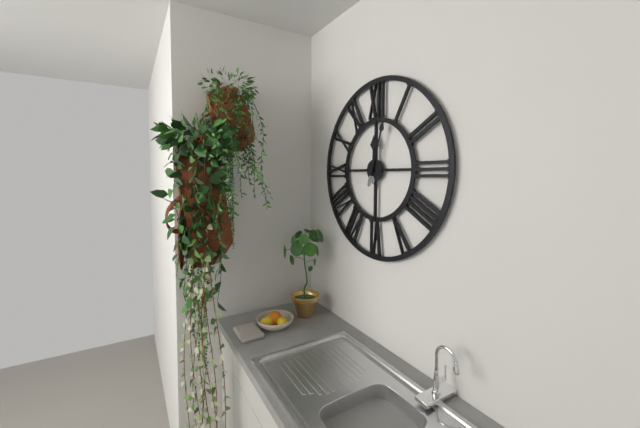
12h03
